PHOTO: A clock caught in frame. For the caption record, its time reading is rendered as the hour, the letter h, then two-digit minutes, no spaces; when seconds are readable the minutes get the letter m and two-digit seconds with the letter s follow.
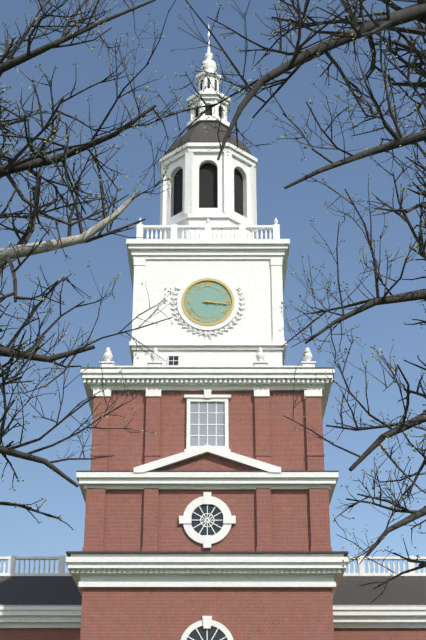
3h16
